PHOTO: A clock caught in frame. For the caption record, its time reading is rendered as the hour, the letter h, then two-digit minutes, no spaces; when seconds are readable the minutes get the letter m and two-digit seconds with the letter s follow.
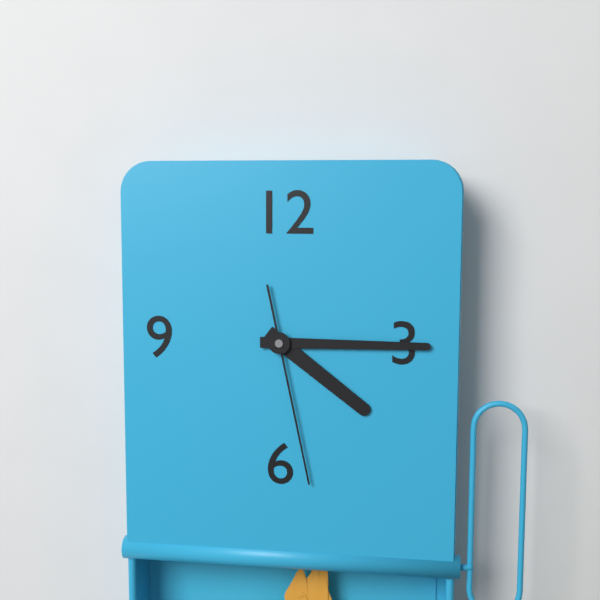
4h15m28s
